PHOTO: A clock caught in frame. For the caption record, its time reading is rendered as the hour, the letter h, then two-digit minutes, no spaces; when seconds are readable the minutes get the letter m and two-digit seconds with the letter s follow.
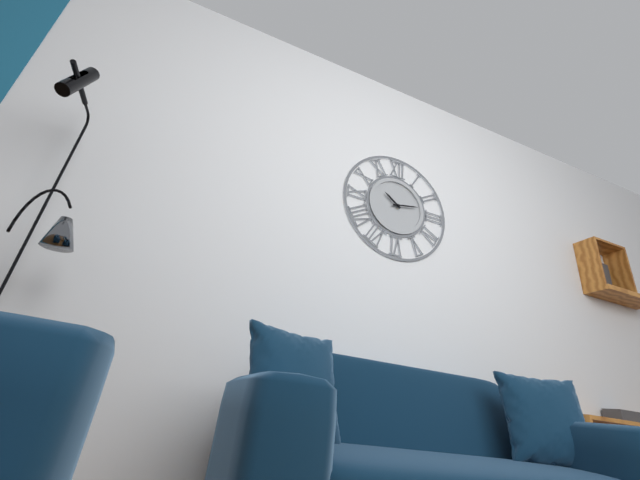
10h13
